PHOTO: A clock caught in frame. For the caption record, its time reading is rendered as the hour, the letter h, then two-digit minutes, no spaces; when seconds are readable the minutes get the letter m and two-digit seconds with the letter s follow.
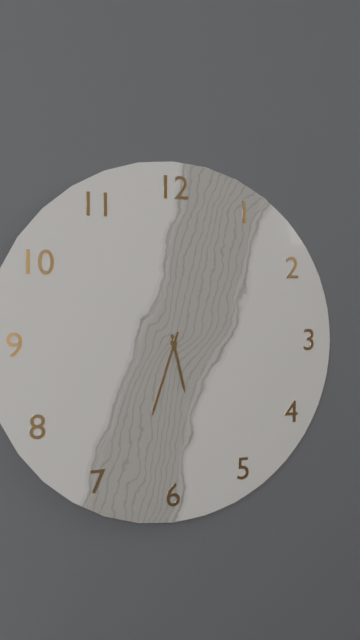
5h33
